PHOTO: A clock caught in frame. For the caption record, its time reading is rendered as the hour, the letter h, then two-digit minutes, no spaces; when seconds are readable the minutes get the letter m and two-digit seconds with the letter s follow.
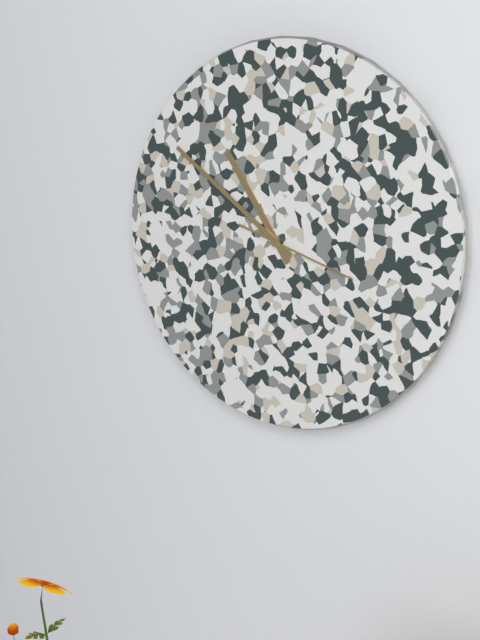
10h51m18s
